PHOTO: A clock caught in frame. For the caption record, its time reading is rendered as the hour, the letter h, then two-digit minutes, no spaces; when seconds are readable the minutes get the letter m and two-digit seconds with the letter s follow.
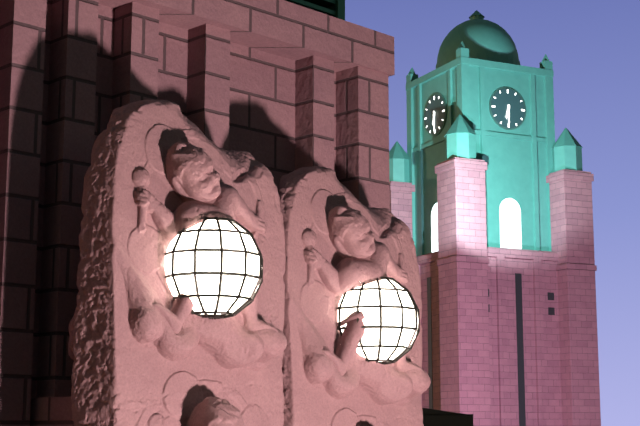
6h30
